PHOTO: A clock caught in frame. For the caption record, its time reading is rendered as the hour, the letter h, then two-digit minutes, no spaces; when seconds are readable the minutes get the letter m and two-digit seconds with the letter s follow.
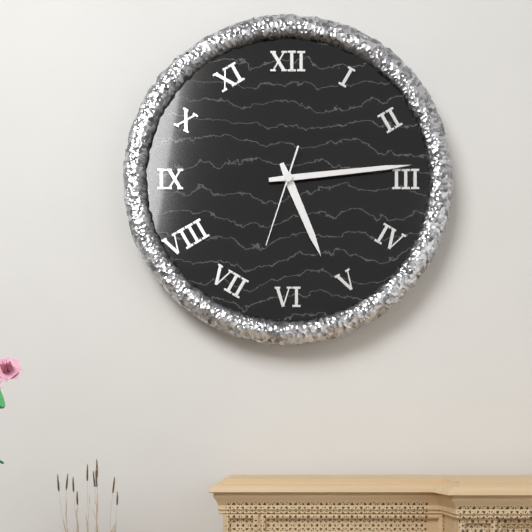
5h14m33s
